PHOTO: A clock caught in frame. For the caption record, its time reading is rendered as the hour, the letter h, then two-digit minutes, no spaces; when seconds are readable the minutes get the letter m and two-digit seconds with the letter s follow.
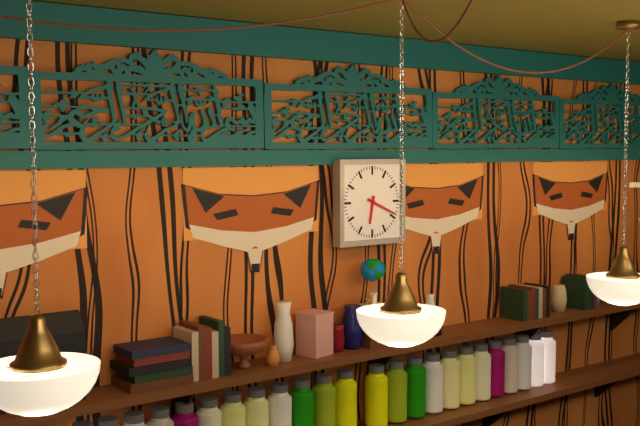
6h19
